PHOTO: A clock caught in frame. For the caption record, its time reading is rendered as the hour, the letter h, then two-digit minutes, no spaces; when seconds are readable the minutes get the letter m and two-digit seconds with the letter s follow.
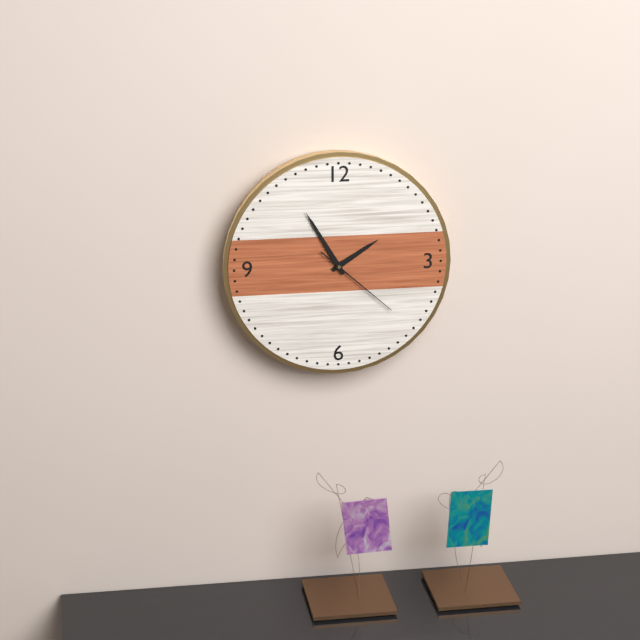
1h55m22s
